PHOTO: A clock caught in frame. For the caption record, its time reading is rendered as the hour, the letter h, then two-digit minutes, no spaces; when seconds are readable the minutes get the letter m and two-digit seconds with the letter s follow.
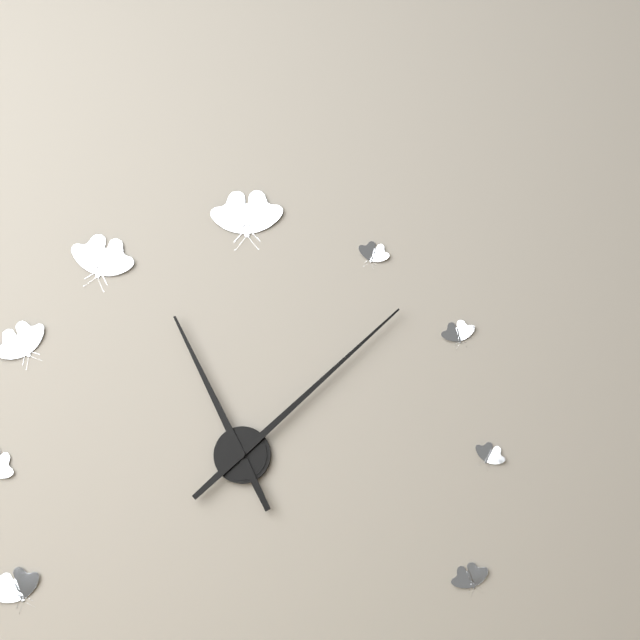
11h08
